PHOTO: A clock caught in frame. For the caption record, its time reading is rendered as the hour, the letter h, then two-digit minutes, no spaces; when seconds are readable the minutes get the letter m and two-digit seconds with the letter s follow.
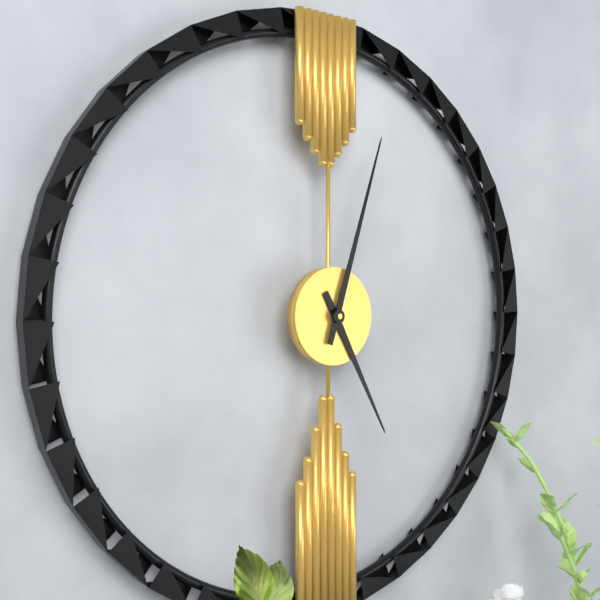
5h03
